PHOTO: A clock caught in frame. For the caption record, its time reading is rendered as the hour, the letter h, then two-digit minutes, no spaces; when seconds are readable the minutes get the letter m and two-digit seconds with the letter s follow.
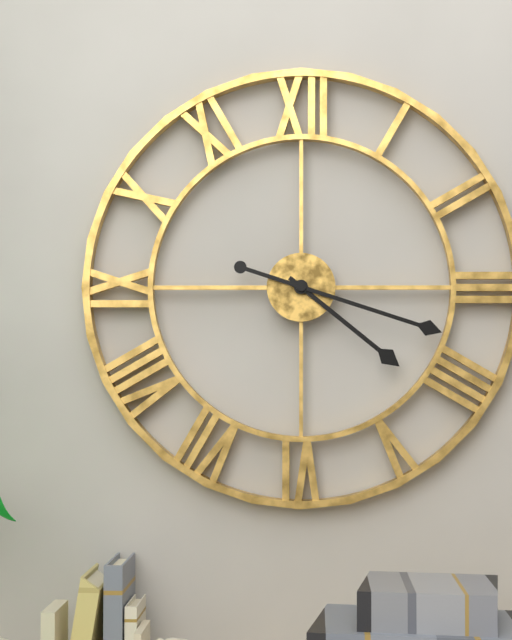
4h18
